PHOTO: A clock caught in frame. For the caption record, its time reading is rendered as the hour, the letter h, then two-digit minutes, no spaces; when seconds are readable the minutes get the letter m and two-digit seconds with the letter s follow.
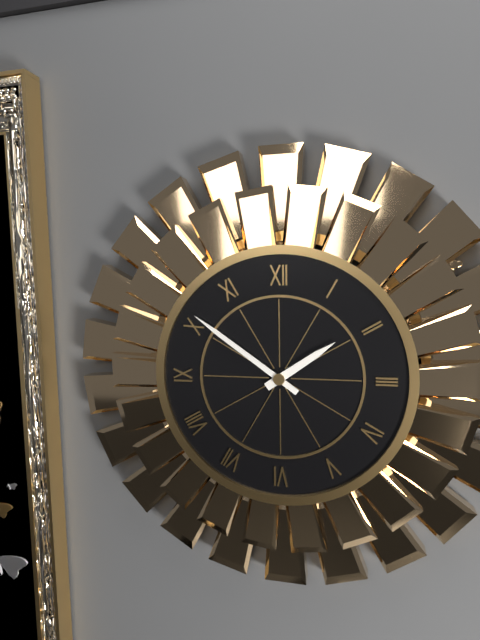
1h51
